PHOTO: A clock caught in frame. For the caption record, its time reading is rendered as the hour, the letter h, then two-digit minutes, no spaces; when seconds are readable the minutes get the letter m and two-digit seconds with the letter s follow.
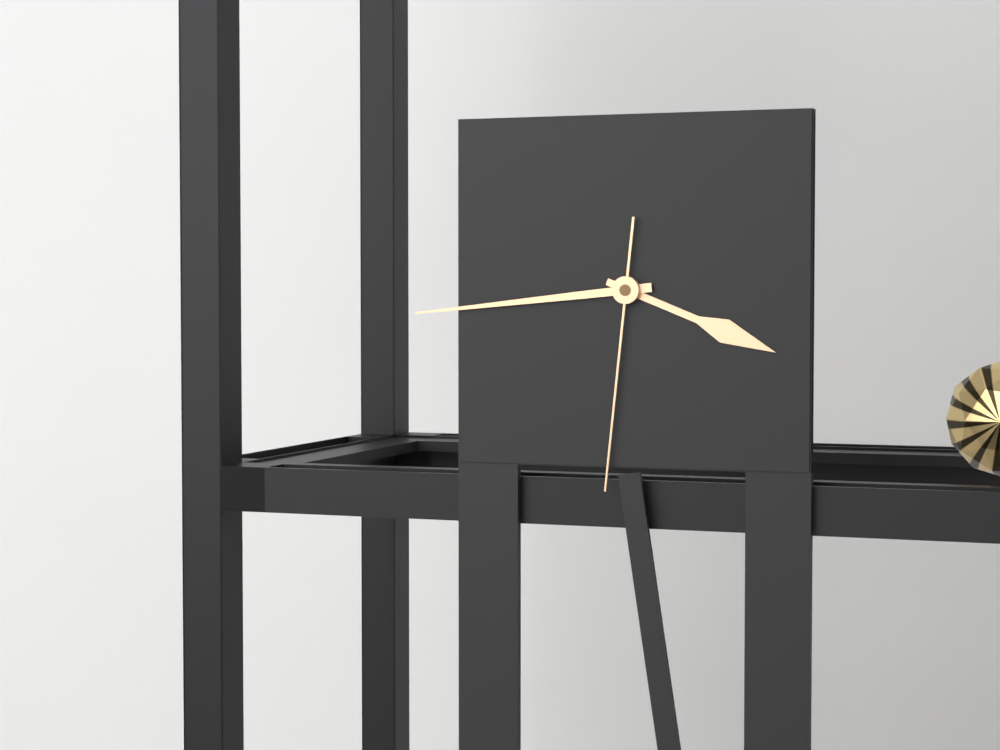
3h44m31s
